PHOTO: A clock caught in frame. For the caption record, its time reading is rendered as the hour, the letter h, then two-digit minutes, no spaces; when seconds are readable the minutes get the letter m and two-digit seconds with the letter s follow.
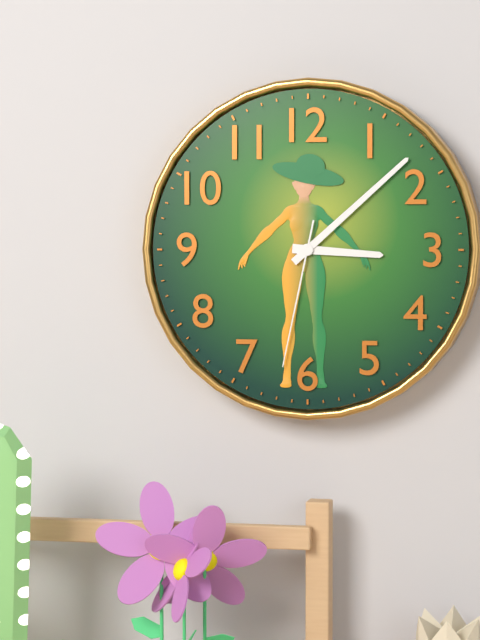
3h08m32s
